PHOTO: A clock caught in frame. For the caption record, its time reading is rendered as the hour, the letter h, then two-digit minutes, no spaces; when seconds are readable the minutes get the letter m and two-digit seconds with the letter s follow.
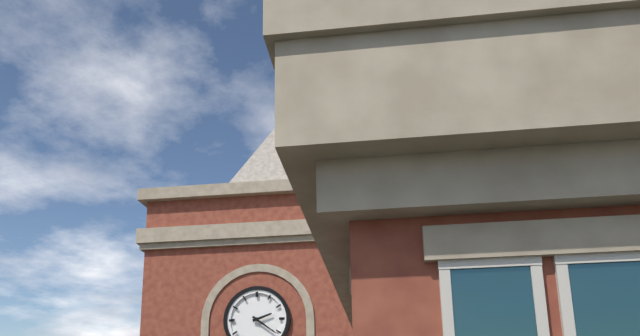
2h21
